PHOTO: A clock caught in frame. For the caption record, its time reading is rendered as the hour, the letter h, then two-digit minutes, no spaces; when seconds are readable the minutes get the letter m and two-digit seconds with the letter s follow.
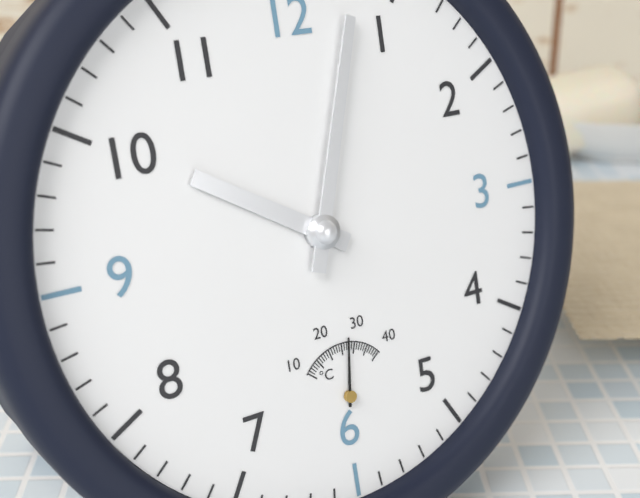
10h03
